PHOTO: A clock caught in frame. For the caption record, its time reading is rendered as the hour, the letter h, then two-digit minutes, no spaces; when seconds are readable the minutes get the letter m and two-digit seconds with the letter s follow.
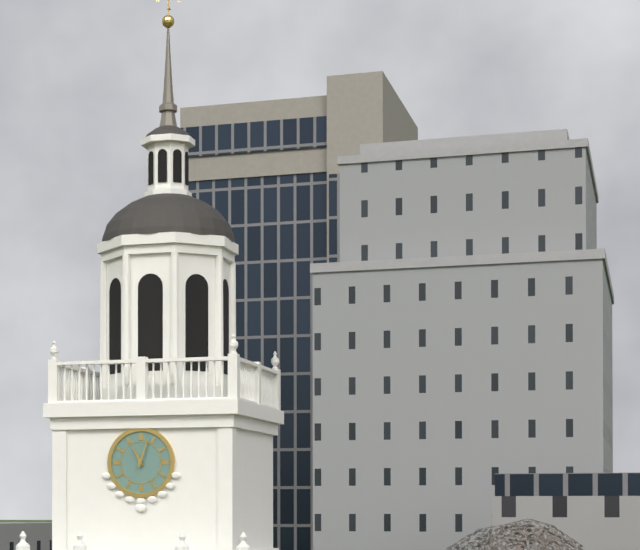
11h03
